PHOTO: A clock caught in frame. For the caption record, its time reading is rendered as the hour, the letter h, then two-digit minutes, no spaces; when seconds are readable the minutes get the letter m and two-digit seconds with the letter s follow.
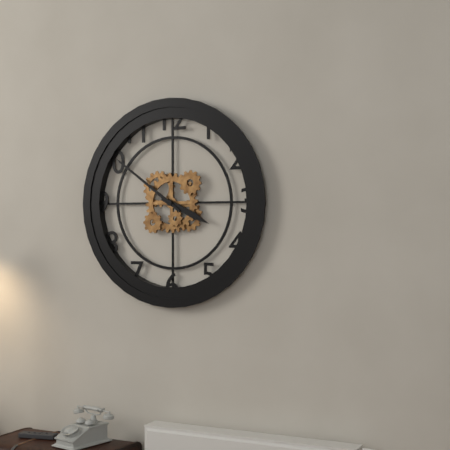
3h51
